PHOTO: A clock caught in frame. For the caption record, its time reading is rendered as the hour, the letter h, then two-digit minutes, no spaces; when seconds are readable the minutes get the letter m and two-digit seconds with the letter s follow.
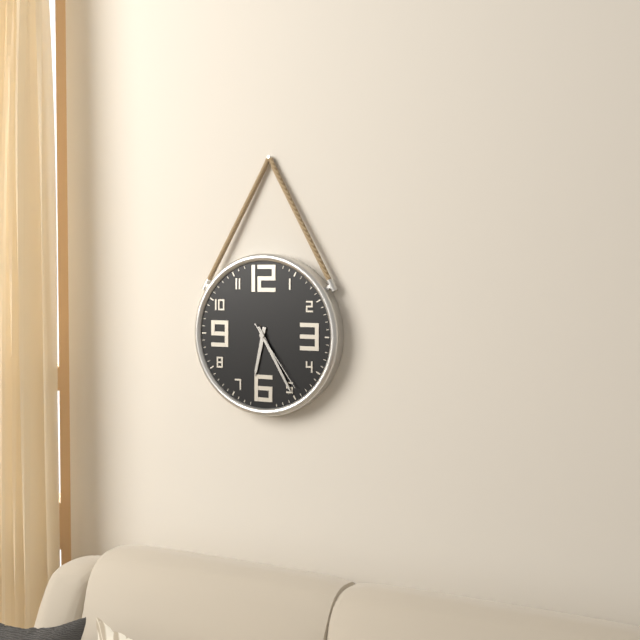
6h25m24s
